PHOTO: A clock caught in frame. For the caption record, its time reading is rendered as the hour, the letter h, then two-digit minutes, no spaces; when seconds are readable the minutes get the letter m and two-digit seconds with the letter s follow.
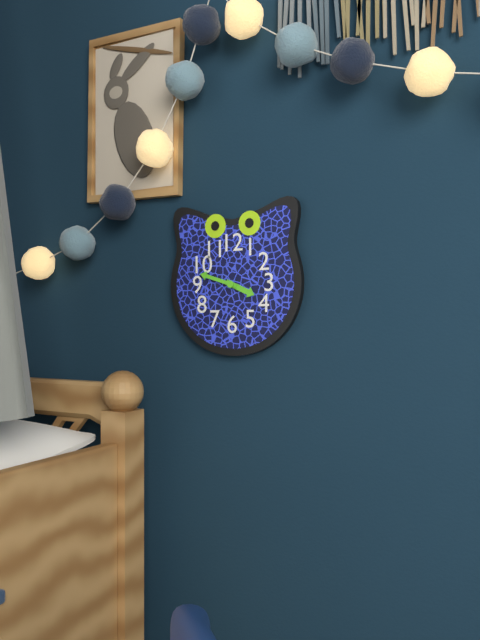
3h48
